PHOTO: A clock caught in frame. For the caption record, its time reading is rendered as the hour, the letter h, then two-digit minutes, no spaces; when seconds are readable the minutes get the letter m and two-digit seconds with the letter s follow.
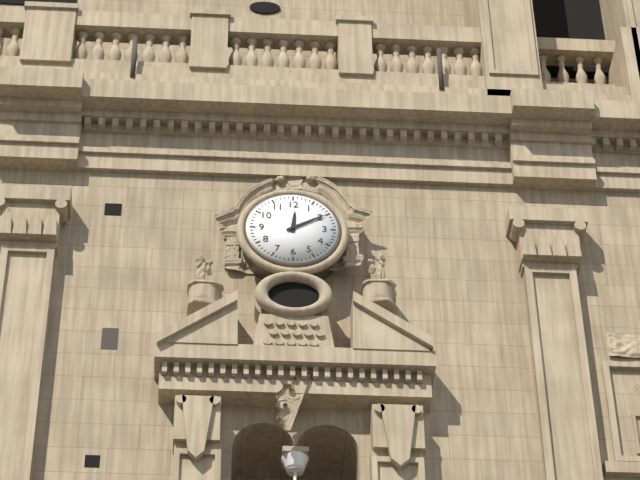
12h10
